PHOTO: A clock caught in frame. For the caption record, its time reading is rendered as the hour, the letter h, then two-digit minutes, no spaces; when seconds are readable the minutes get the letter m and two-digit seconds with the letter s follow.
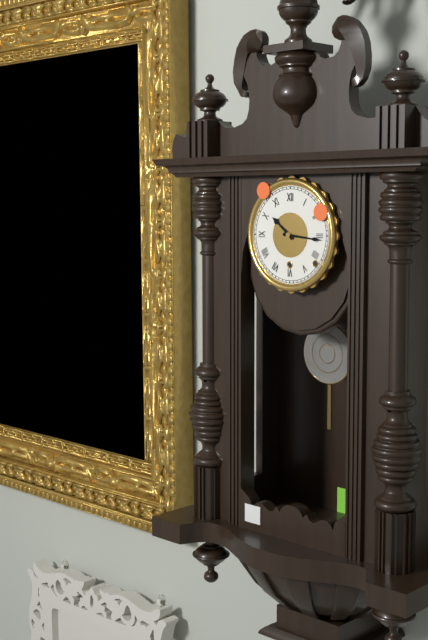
10h16
